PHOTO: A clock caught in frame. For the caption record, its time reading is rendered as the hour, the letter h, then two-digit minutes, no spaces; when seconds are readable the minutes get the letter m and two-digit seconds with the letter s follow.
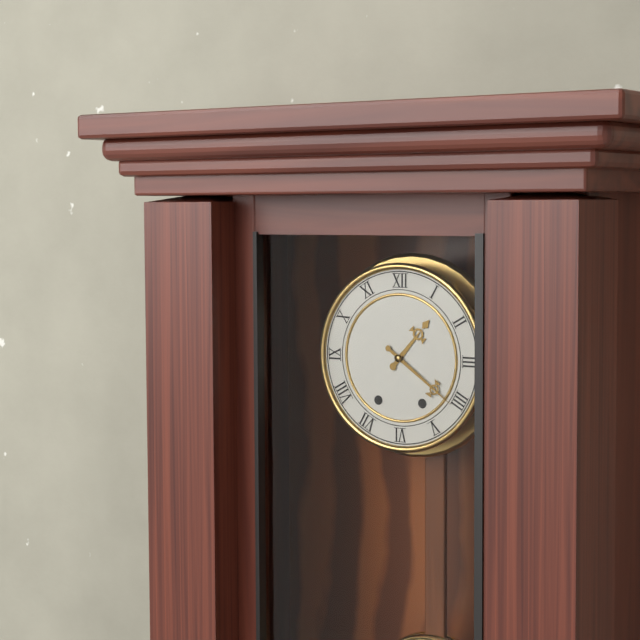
1h21
